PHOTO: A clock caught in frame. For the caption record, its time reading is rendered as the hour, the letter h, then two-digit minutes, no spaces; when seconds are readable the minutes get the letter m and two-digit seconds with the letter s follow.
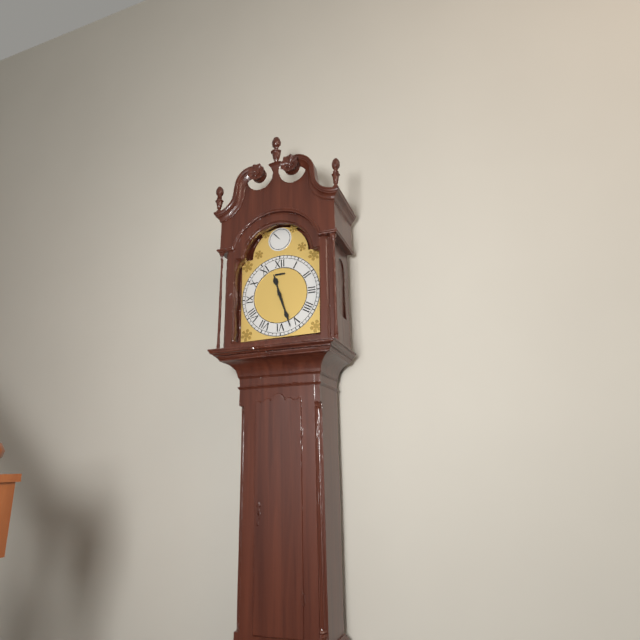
11h27
